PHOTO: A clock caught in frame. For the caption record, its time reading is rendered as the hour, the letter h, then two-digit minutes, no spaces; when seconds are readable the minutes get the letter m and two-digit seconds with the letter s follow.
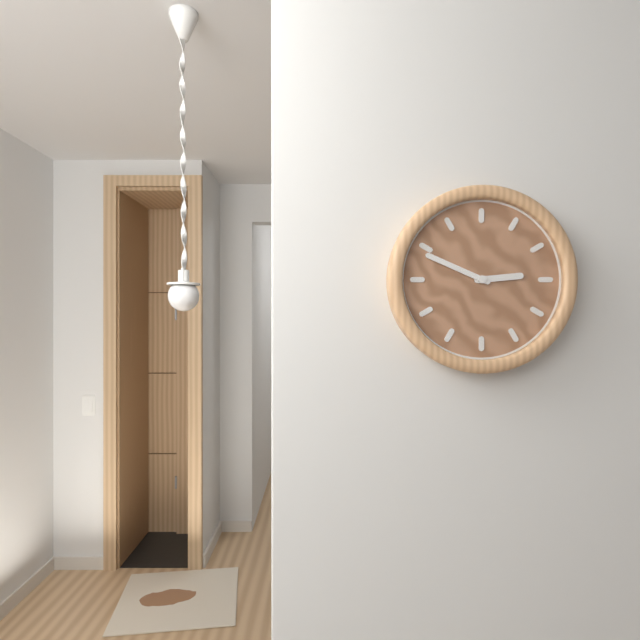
2h49
